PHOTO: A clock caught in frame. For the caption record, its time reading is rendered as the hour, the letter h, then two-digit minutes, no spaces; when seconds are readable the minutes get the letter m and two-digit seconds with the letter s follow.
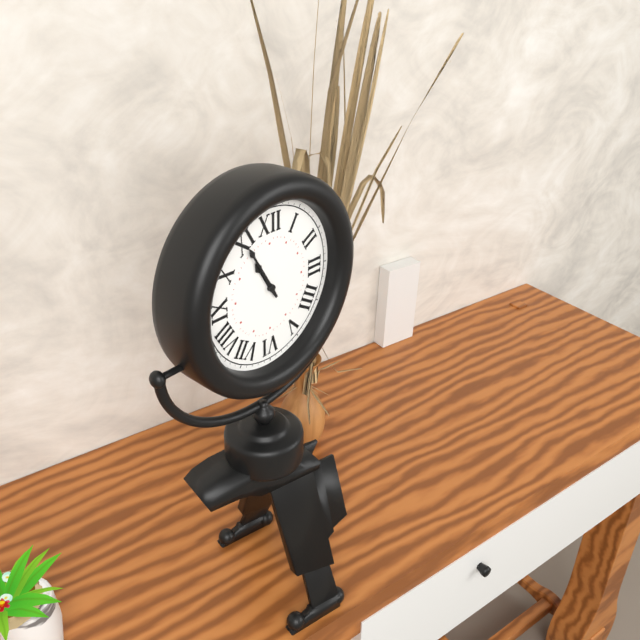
10h55
